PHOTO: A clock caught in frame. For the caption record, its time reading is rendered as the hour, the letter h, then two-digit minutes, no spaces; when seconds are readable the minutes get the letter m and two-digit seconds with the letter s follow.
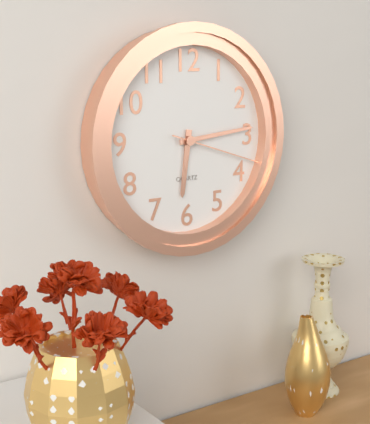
6h14m18s
